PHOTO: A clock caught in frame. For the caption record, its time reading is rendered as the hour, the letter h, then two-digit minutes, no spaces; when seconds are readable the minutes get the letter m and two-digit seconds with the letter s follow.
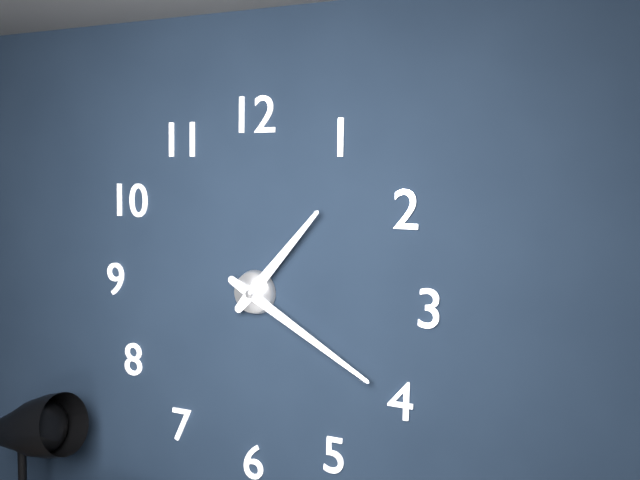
1h20
